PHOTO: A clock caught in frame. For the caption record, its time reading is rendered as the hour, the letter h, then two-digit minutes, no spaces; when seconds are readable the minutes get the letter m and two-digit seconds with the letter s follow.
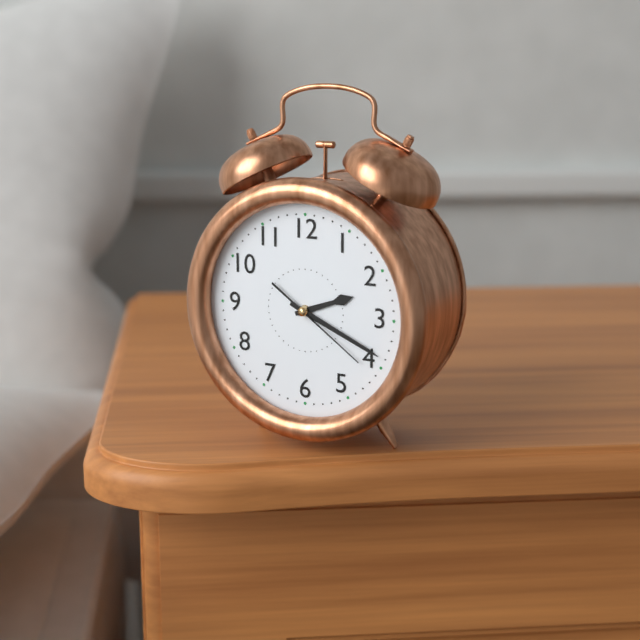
2h19m21s
